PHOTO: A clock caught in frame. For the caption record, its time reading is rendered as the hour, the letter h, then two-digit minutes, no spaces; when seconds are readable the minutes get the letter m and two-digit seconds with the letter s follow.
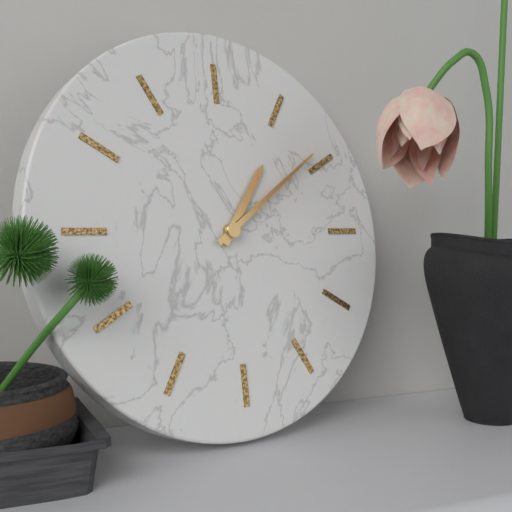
1h09
